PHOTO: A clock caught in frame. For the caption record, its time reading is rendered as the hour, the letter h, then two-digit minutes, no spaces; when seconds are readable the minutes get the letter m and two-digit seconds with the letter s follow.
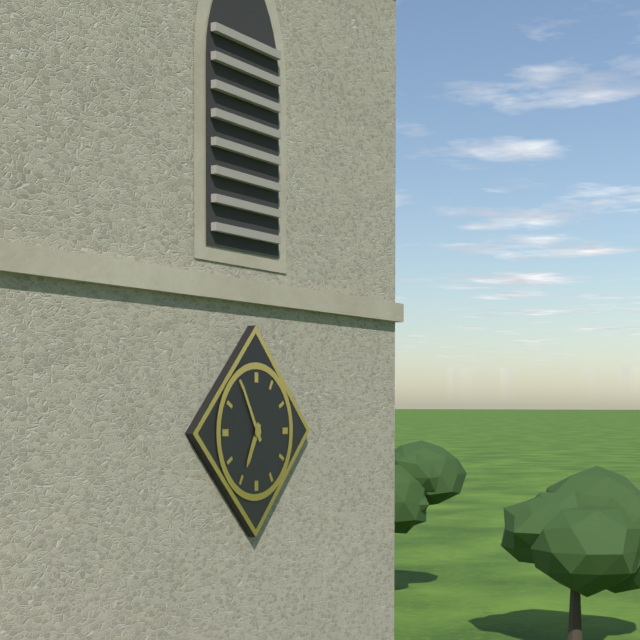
6h55
